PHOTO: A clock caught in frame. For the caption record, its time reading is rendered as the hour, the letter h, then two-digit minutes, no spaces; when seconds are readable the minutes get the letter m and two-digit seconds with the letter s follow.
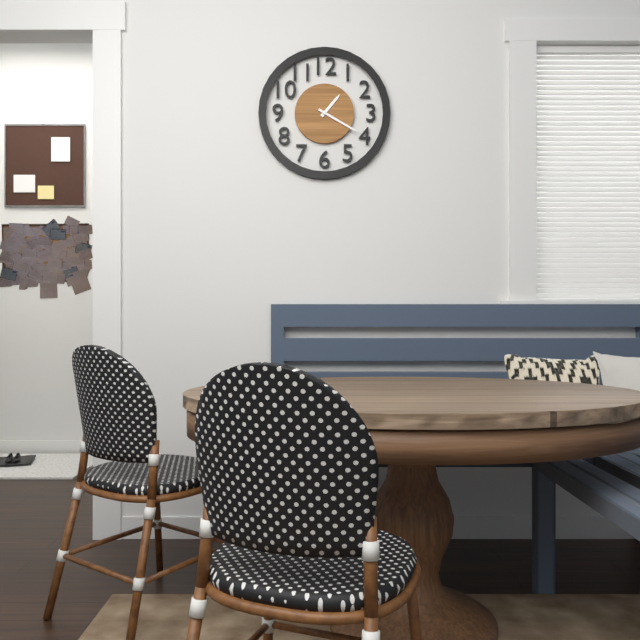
1h20
